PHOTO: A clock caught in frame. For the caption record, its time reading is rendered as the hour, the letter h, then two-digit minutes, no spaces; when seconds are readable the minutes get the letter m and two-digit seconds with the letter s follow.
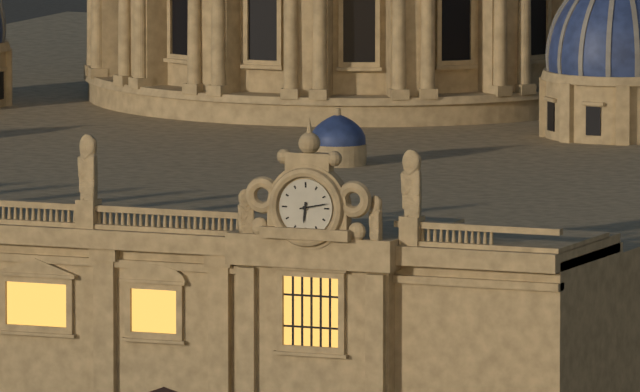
6h13
